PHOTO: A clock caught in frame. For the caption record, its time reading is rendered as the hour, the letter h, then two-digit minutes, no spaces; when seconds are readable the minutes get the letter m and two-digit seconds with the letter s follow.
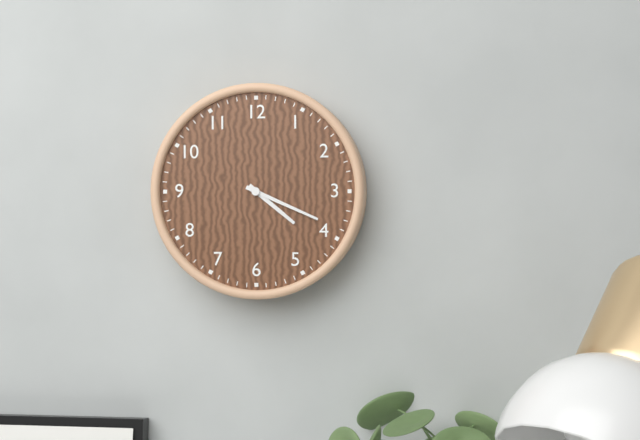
4h19
